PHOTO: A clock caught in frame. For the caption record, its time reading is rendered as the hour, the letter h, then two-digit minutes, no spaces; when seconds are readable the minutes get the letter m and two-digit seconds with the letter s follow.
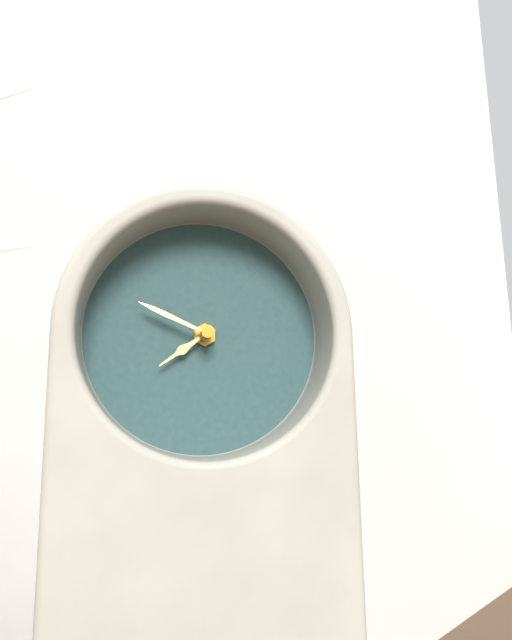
7h49
